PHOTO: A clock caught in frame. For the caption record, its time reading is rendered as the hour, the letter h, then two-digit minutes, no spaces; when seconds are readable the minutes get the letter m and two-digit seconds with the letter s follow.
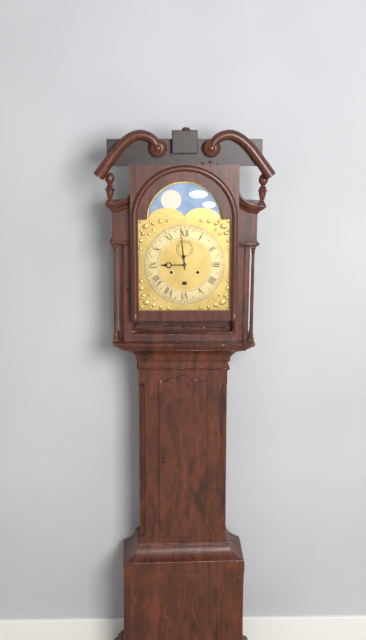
8h59
